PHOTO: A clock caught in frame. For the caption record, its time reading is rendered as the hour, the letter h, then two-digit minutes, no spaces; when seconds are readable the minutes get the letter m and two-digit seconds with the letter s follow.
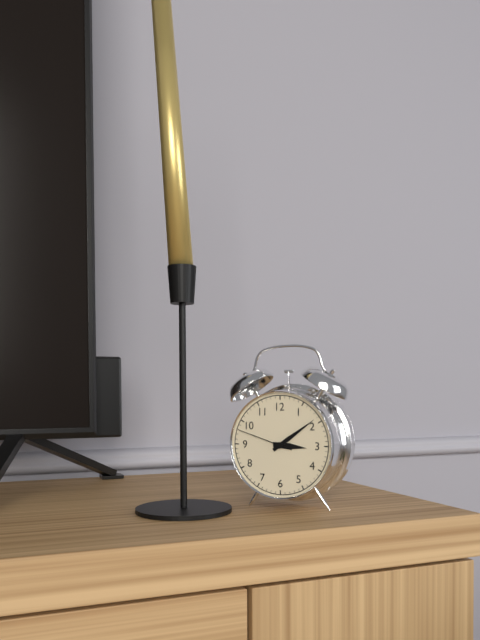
3h09m48s
